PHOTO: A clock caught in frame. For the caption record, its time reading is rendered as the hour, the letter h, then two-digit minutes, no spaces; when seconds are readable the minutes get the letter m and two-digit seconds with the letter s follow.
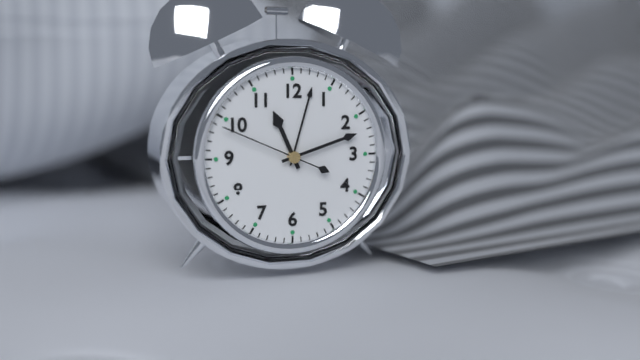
11h12m49s
